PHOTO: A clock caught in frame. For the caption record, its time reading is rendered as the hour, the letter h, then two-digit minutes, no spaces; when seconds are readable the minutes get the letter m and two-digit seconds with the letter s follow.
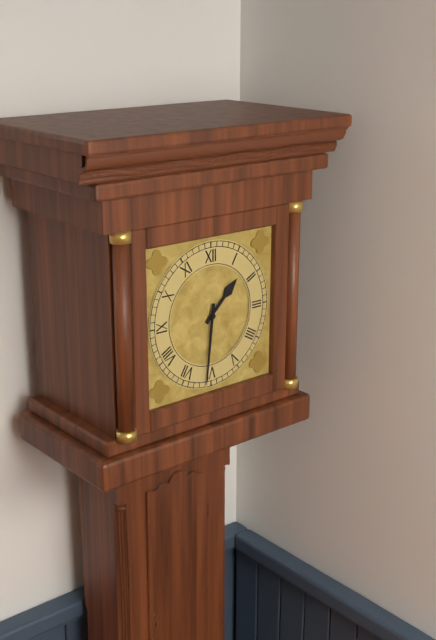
1h31
